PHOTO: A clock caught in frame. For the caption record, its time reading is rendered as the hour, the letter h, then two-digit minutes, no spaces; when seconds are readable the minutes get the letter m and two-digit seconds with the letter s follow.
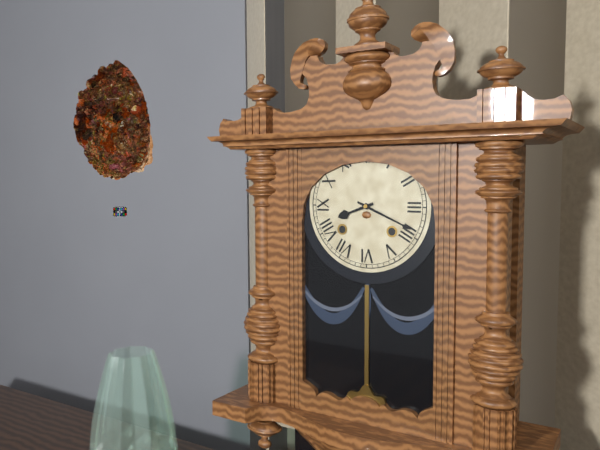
8h19
